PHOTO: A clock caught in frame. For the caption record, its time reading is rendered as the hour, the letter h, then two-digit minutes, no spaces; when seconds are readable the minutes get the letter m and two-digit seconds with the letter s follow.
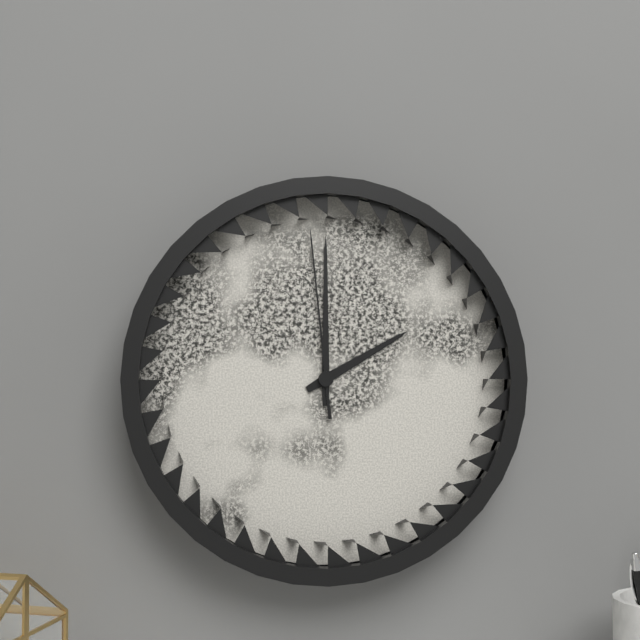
2h00m59s
